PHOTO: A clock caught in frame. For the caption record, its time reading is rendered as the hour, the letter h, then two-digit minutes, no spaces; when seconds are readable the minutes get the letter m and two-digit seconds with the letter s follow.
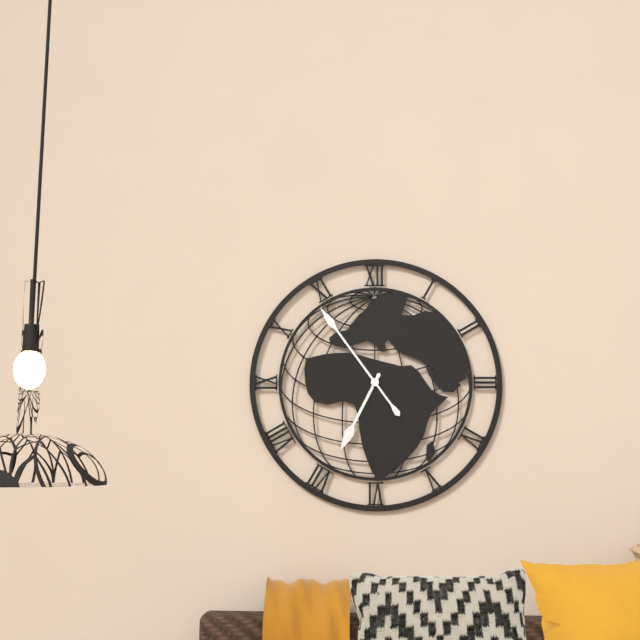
6h54
